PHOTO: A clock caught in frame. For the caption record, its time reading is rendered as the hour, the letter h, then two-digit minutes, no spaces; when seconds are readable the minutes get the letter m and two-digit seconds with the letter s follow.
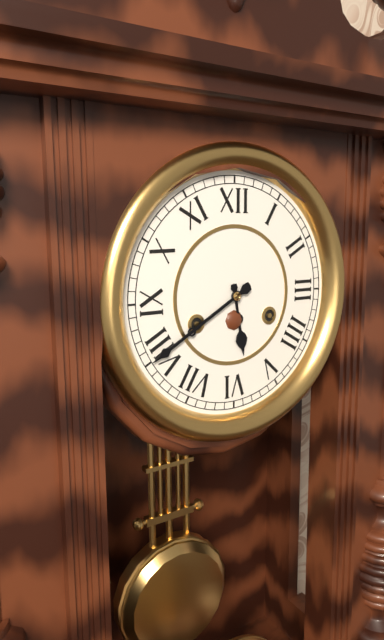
5h40
